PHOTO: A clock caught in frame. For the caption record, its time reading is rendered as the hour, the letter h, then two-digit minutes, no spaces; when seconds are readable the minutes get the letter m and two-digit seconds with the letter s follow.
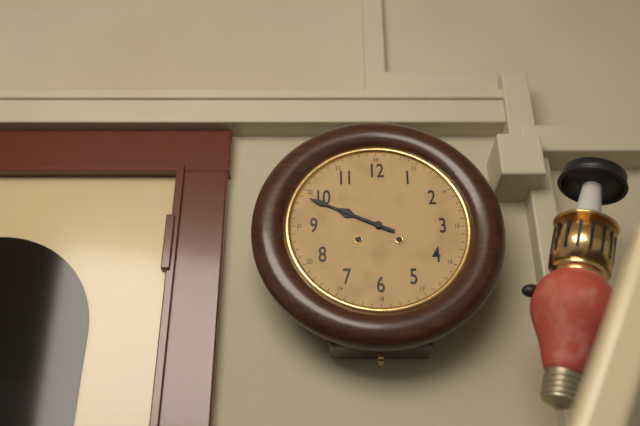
9h49
